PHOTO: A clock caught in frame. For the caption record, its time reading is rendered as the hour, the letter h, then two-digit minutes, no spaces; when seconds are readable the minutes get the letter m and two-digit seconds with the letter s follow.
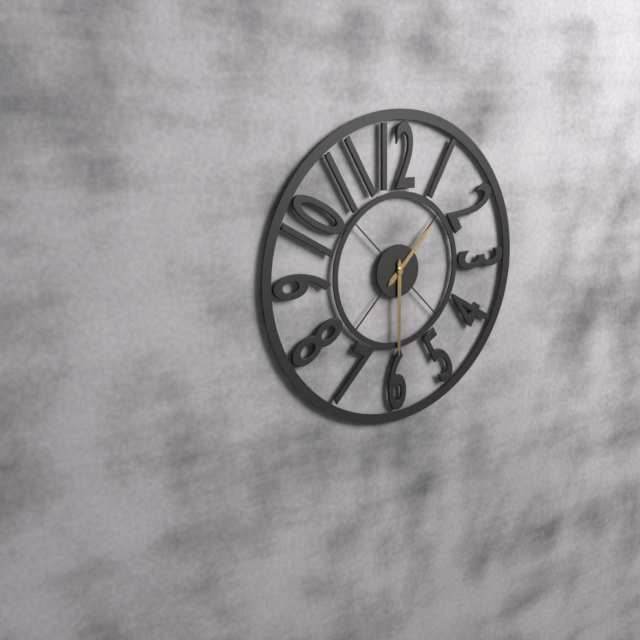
1h30
